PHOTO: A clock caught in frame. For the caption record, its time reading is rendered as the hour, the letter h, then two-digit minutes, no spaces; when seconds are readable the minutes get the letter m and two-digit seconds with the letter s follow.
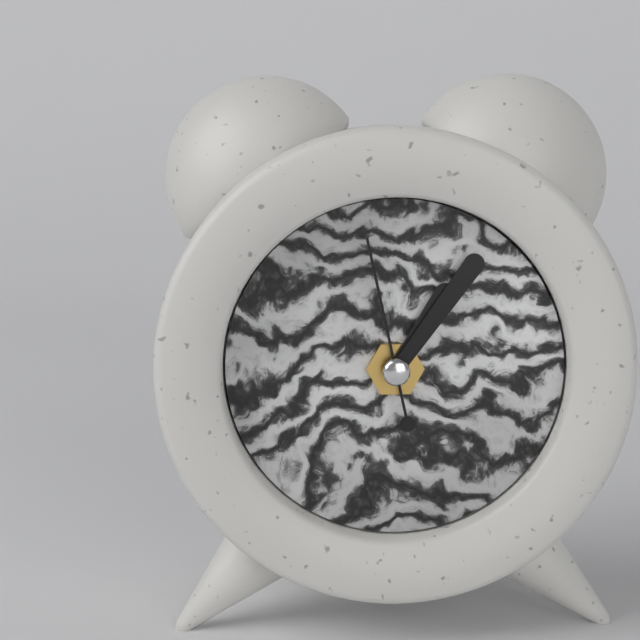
1h06m58s
